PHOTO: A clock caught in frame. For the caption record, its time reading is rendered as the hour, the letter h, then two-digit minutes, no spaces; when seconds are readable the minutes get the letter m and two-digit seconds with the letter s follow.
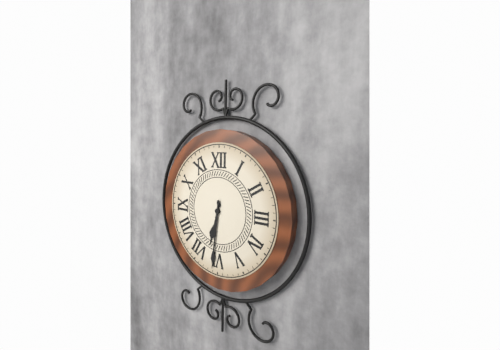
6h31
